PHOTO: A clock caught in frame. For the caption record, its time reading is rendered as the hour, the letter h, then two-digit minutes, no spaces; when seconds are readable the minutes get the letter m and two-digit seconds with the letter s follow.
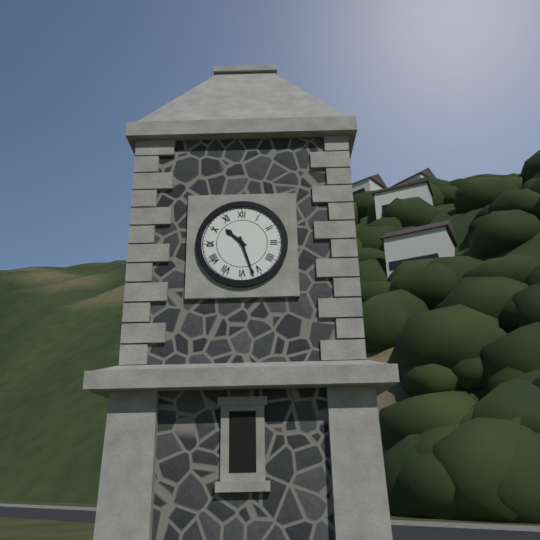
10h27
